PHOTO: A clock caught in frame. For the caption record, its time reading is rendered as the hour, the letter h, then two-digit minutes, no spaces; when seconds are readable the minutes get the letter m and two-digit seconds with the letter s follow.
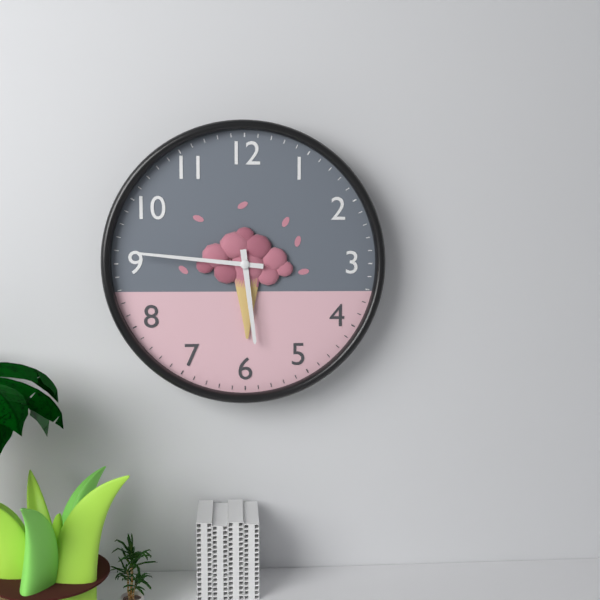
5h46
